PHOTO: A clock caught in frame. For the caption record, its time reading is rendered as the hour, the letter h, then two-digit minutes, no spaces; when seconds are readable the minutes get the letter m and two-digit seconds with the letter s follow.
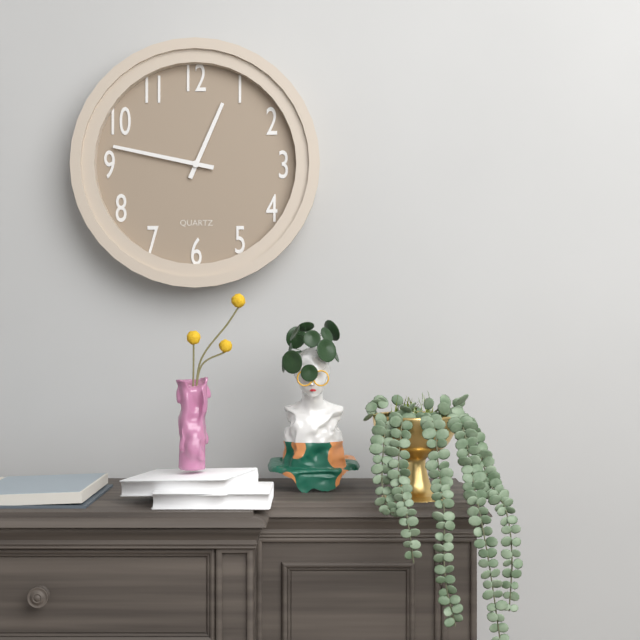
12h47
